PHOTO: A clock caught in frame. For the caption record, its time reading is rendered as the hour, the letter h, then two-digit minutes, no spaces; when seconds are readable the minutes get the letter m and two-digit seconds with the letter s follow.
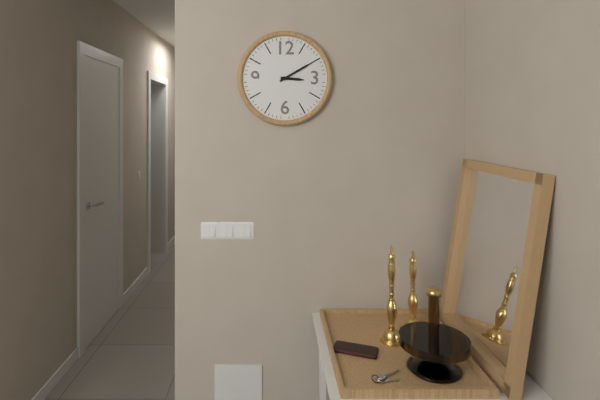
3h10
